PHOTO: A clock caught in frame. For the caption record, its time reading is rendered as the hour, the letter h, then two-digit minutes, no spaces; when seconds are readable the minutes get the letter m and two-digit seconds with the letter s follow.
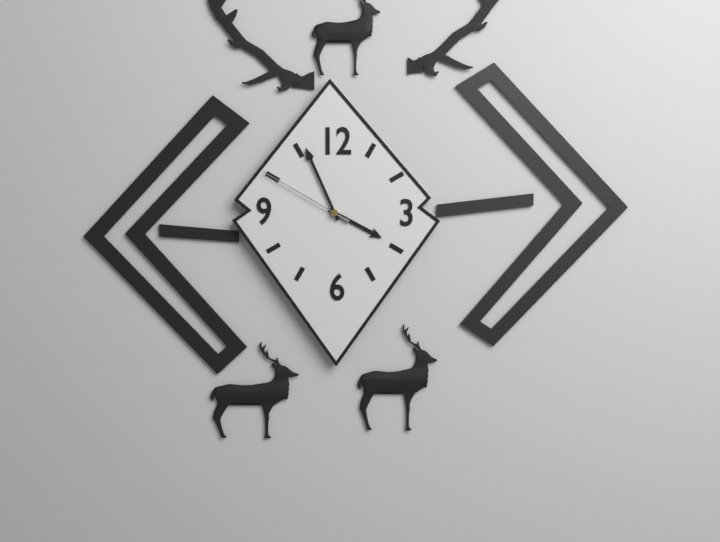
3h56m50s
